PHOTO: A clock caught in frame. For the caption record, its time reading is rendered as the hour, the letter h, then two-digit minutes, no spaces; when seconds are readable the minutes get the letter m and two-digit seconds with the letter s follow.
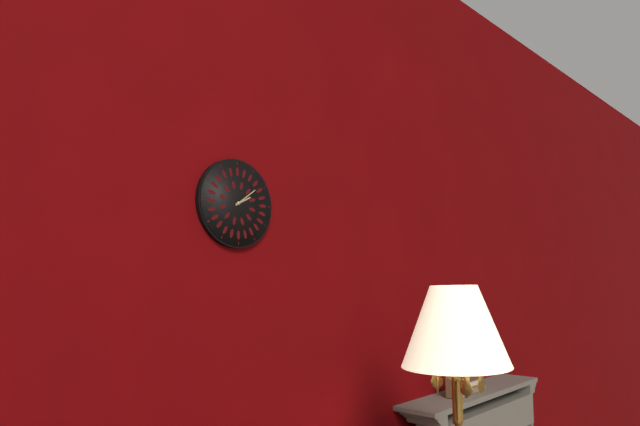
2h09
